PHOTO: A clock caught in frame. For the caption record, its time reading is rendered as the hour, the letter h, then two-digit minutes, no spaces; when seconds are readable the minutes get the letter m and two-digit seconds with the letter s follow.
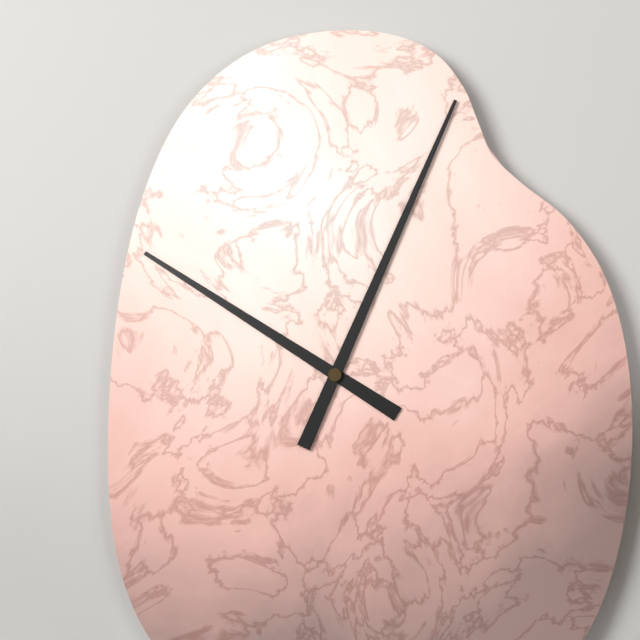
10h04
